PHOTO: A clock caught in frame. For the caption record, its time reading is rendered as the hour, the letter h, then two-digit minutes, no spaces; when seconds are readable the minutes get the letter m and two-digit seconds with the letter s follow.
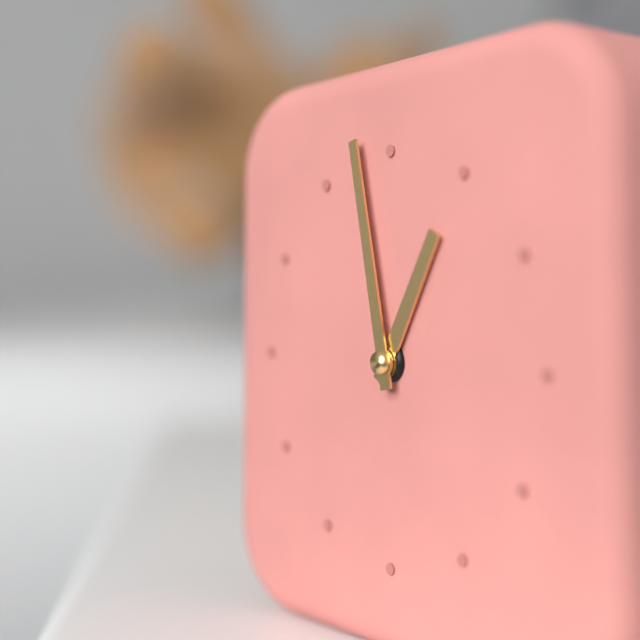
12h58
